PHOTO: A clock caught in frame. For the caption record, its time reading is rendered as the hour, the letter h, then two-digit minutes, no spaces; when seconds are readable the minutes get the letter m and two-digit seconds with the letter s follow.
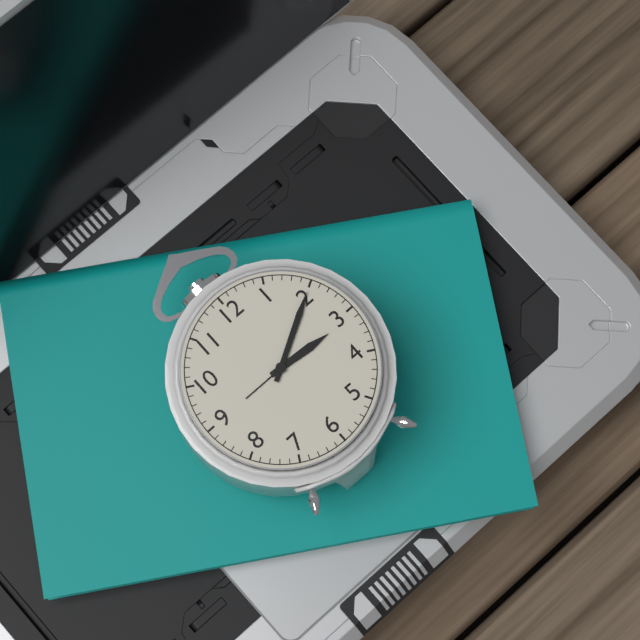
3h10
